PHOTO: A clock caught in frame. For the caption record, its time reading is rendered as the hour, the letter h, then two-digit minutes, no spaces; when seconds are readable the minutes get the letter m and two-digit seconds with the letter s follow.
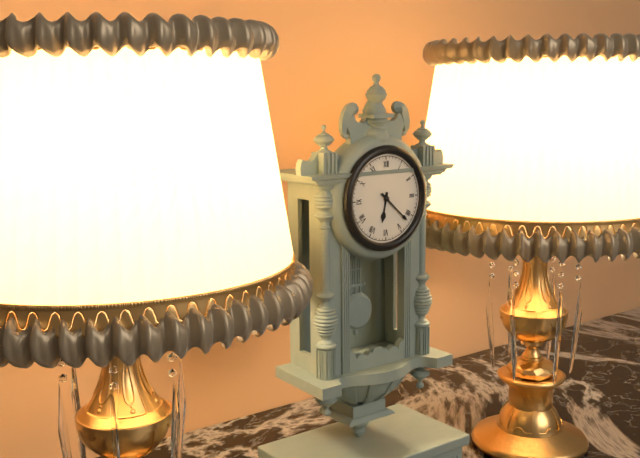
6h22
